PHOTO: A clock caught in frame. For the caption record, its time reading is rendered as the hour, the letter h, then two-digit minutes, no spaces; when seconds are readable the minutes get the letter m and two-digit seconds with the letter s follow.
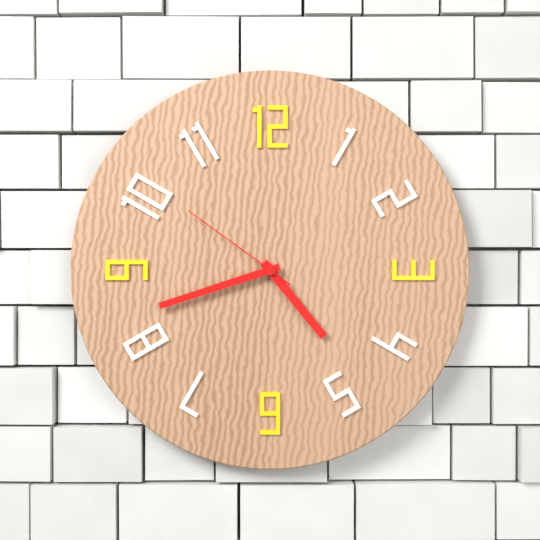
4h42m51s
